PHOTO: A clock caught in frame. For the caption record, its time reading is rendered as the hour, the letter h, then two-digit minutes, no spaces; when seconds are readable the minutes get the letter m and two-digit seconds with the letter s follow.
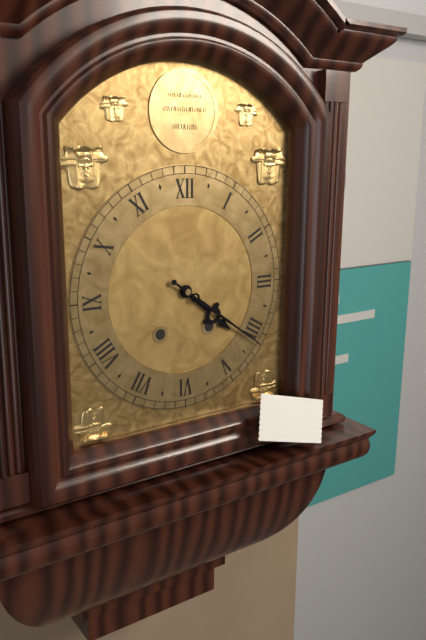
4h21
